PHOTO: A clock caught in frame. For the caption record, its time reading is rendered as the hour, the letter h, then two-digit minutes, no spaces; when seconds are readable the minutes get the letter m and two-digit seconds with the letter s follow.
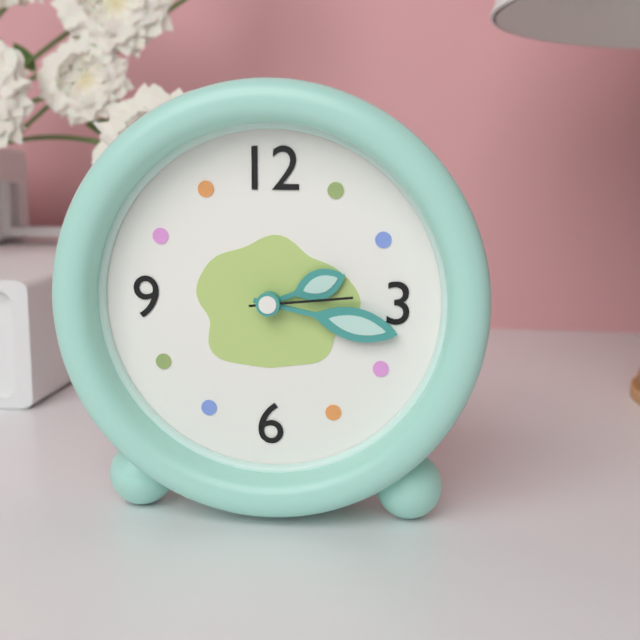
2h17m14s
